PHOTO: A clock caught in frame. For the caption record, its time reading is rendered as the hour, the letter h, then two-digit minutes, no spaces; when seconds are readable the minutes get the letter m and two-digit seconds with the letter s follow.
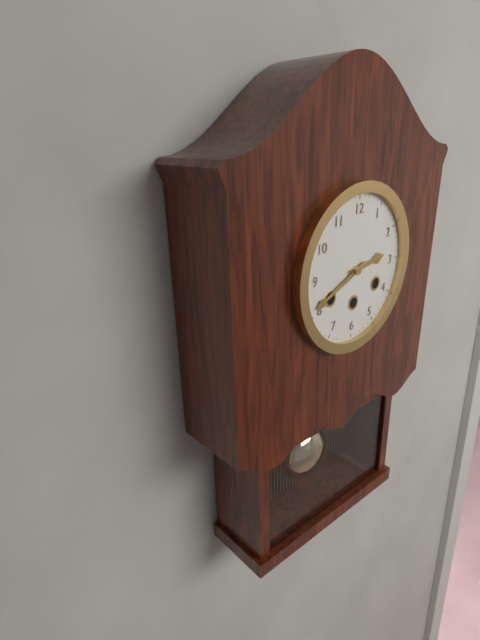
2h41
